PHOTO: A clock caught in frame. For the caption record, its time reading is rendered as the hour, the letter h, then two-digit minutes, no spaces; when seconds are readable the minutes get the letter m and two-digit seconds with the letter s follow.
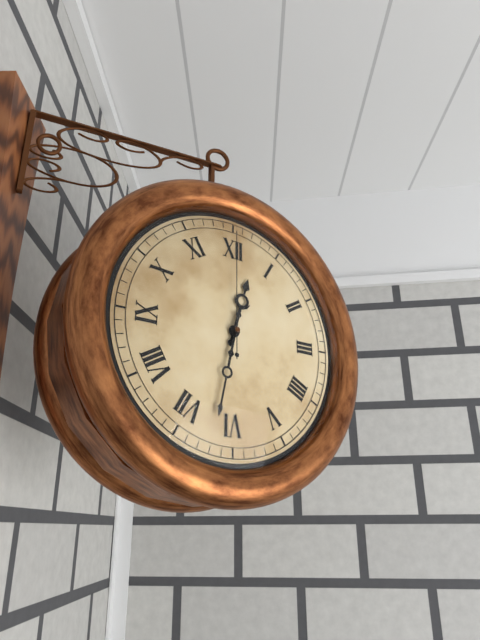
12h32m00s
